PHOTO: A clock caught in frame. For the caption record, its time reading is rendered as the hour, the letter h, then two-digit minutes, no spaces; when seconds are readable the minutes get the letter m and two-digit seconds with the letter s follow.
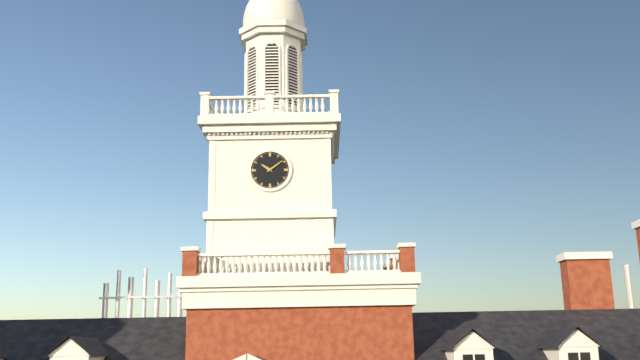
10h09
